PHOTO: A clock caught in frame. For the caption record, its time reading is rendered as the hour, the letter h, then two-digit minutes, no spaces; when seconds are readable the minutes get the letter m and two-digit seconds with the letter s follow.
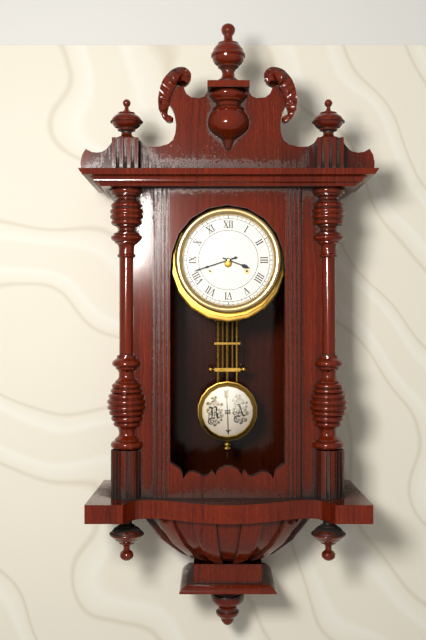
3h42
